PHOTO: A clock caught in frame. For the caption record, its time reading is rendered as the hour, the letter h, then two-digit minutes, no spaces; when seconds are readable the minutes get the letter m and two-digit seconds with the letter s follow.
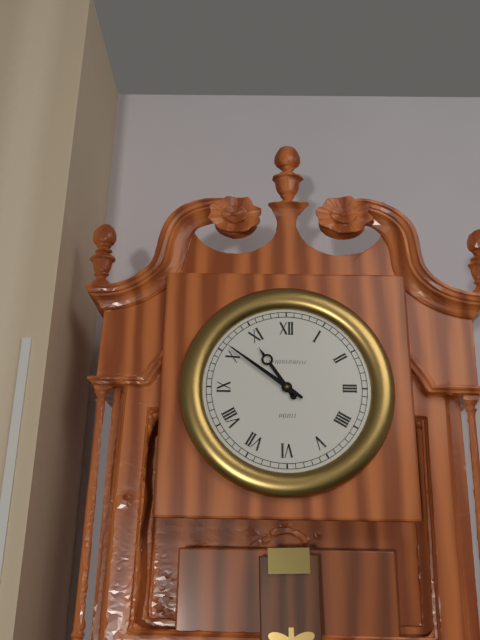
10h51
